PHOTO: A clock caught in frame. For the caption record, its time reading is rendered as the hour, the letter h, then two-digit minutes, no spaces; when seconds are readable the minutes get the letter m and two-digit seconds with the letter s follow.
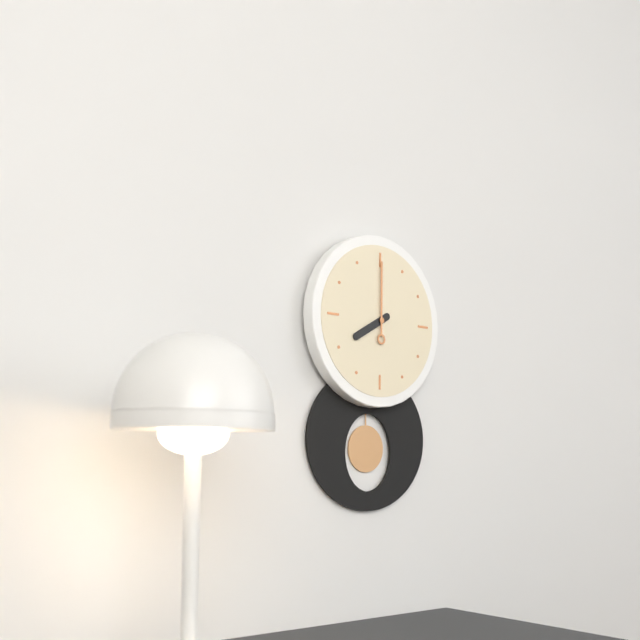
8h00
